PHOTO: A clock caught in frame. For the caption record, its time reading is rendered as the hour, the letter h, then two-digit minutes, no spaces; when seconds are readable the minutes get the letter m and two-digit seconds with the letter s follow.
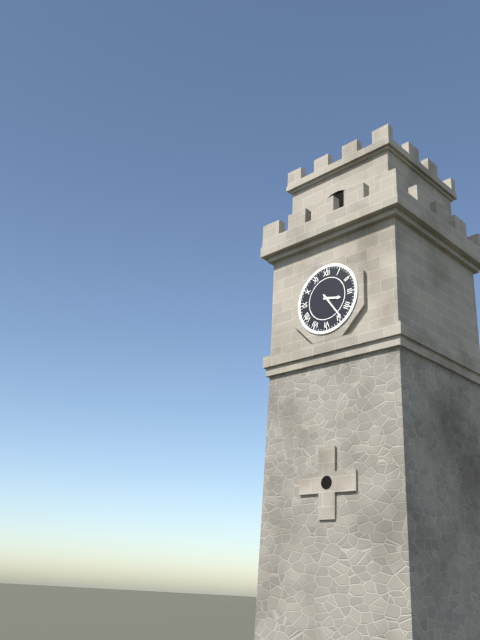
3h24
